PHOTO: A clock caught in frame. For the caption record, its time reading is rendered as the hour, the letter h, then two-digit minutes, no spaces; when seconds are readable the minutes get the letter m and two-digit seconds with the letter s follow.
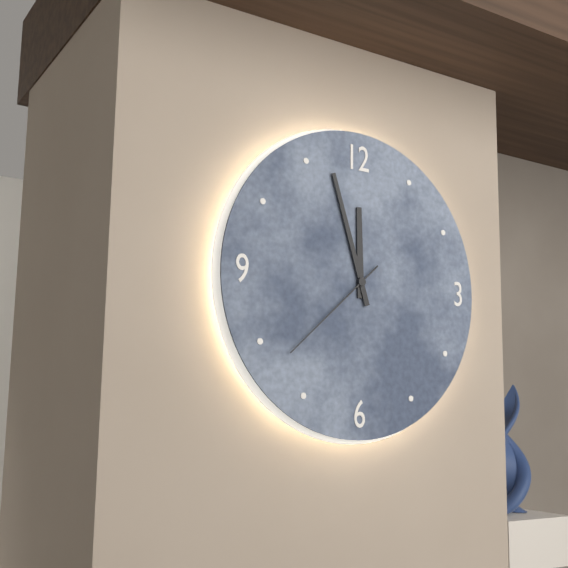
11h57m38s
